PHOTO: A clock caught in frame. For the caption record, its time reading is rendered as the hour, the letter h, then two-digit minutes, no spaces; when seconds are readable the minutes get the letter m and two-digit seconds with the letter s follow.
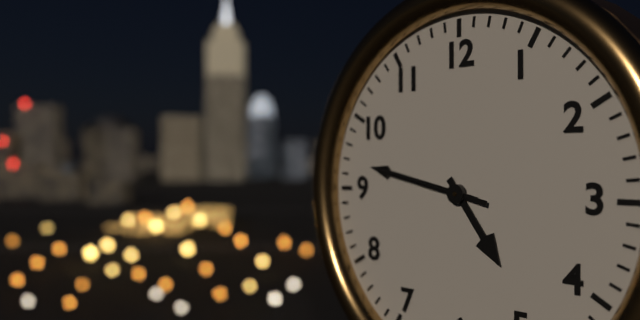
4h47m47s
